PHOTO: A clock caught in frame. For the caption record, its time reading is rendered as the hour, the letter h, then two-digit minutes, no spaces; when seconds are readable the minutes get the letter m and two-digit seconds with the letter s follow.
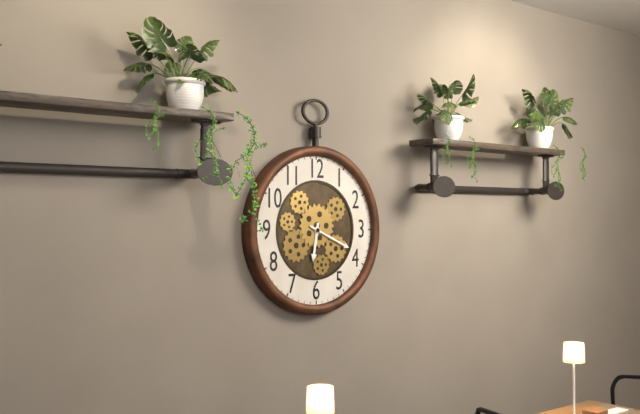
6h19
